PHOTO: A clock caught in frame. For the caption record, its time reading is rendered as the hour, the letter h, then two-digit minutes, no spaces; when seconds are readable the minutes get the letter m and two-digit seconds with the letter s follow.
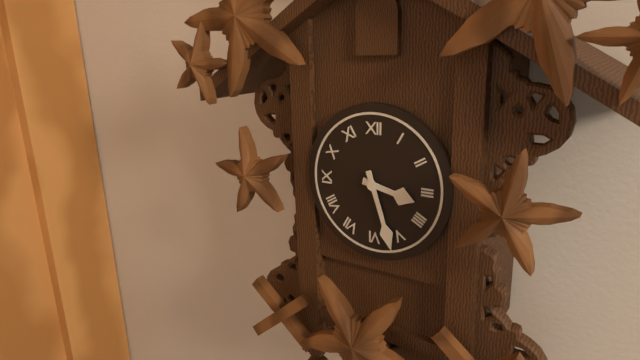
3h27
